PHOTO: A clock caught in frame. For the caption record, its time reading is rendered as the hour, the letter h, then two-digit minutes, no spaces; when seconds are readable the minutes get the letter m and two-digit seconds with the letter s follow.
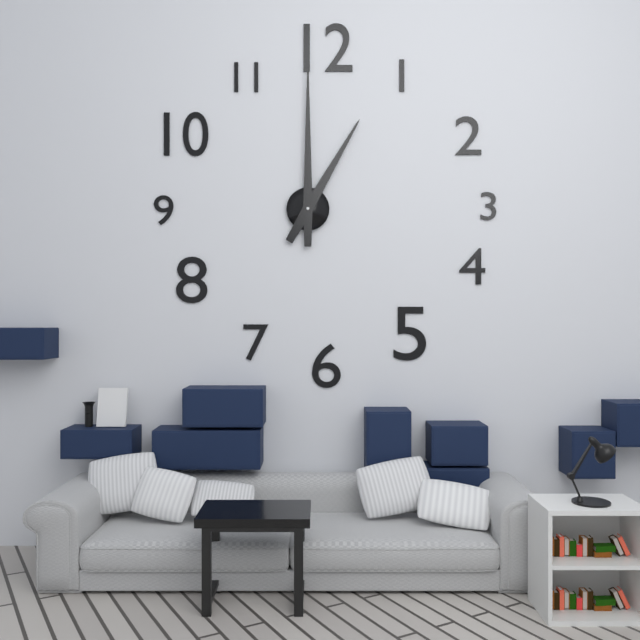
1h00
